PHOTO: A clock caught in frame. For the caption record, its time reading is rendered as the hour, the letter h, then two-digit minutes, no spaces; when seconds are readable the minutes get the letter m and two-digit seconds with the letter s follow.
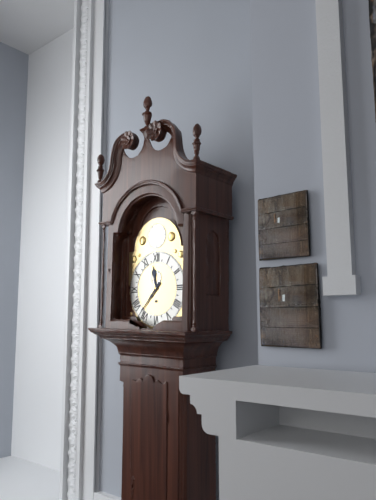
11h37
